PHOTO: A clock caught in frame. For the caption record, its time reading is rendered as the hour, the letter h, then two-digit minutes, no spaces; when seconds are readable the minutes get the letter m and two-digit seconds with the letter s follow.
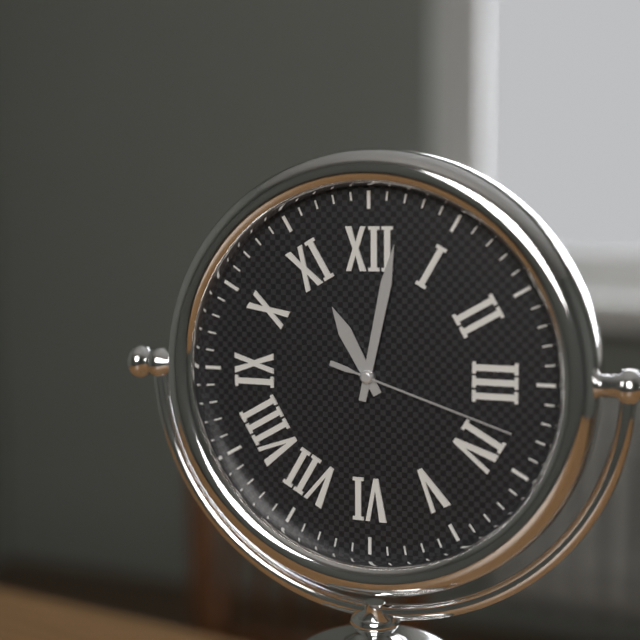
11h02m18s
